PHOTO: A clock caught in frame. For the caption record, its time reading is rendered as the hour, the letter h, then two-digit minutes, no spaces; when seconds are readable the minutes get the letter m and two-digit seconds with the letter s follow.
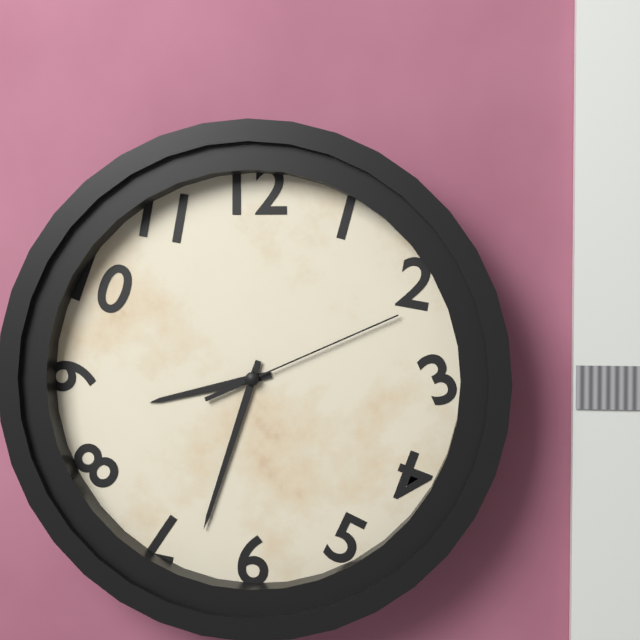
8h33m11s
